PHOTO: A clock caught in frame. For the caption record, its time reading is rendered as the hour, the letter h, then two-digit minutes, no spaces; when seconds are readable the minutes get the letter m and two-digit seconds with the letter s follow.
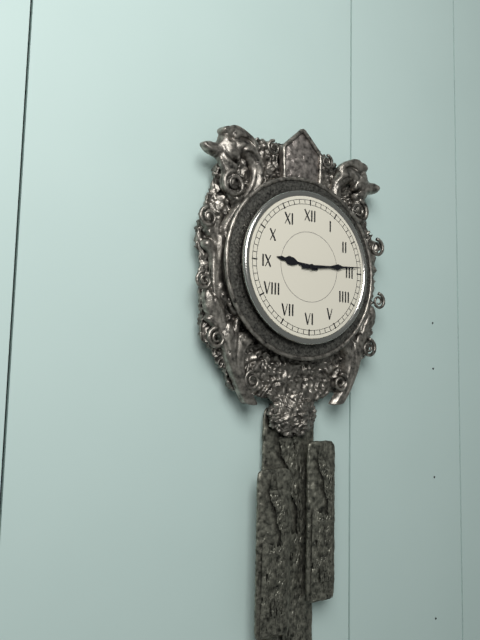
9h14
